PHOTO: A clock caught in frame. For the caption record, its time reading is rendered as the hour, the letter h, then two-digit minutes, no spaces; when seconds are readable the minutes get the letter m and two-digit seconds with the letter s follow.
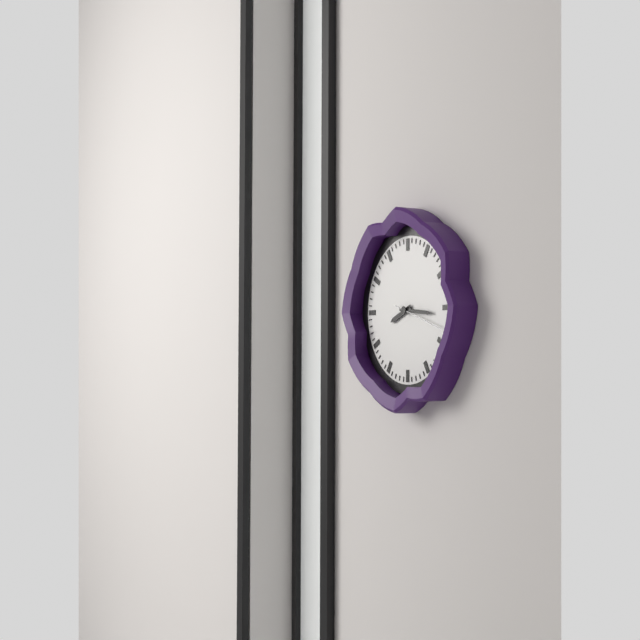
8h16m18s
